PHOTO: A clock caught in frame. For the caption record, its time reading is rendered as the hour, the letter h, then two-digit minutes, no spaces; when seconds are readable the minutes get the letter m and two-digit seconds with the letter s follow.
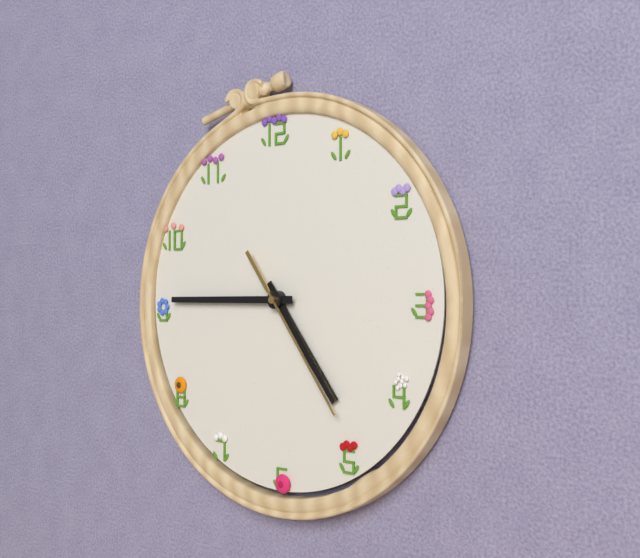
4h45m24s
